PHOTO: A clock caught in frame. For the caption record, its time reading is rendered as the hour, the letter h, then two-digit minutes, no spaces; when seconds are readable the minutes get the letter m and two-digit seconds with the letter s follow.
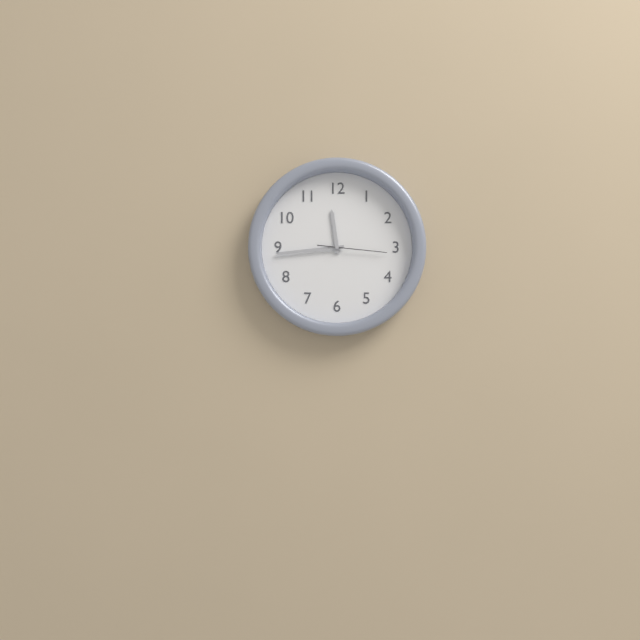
11h44m16s
